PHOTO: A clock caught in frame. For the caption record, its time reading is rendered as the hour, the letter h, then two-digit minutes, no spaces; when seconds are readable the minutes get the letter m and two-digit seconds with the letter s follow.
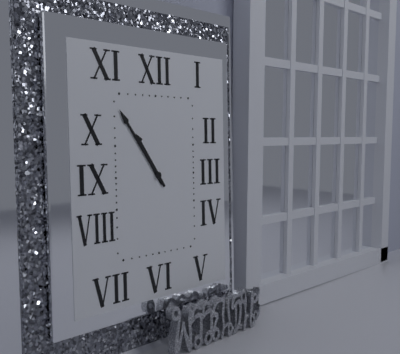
10h54
